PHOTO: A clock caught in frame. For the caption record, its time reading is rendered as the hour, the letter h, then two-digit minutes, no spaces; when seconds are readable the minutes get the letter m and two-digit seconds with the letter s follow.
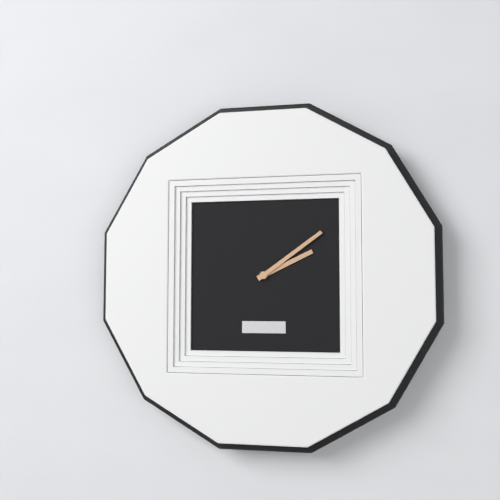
2h09
